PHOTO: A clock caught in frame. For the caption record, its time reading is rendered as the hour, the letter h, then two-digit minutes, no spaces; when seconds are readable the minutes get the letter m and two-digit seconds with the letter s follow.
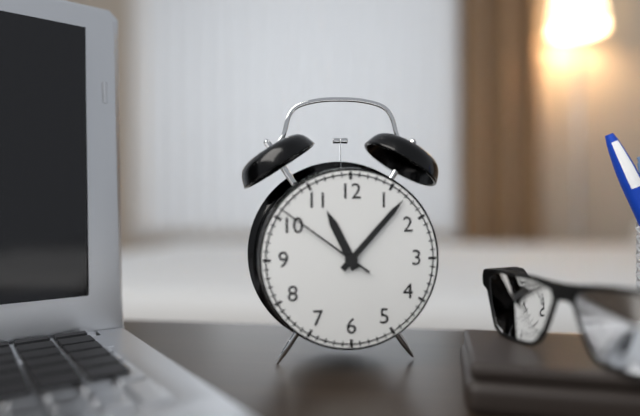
11h07m51s
